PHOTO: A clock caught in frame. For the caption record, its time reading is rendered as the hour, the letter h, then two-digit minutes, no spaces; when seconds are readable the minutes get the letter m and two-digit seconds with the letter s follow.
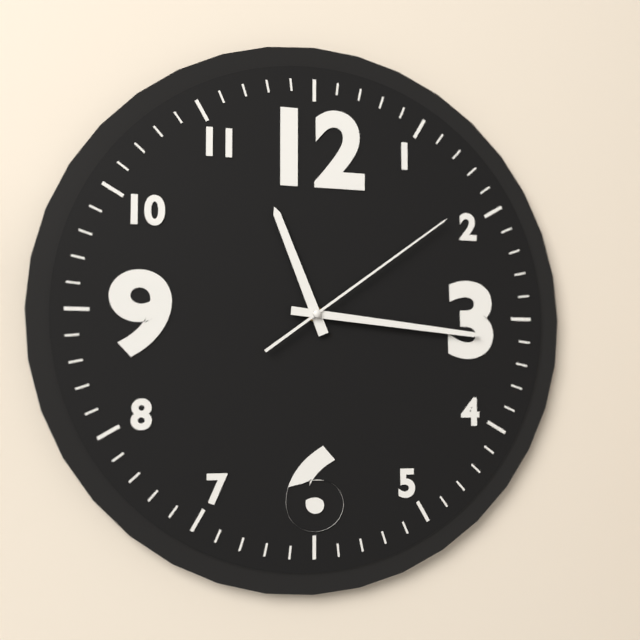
11h16m09s
